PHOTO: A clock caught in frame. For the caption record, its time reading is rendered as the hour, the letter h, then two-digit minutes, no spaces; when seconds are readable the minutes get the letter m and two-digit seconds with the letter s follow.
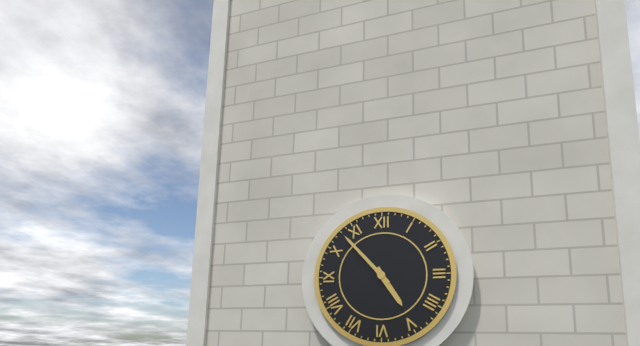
4h53
